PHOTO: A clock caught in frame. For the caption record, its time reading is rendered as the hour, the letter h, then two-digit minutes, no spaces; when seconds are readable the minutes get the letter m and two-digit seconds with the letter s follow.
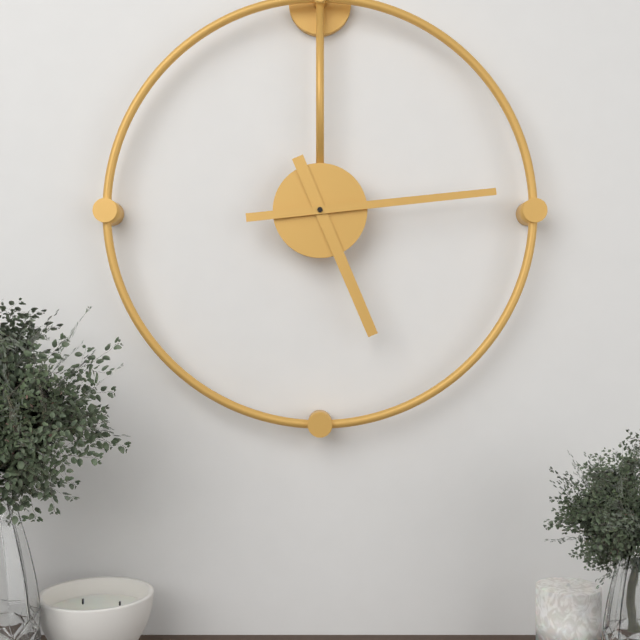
5h14
